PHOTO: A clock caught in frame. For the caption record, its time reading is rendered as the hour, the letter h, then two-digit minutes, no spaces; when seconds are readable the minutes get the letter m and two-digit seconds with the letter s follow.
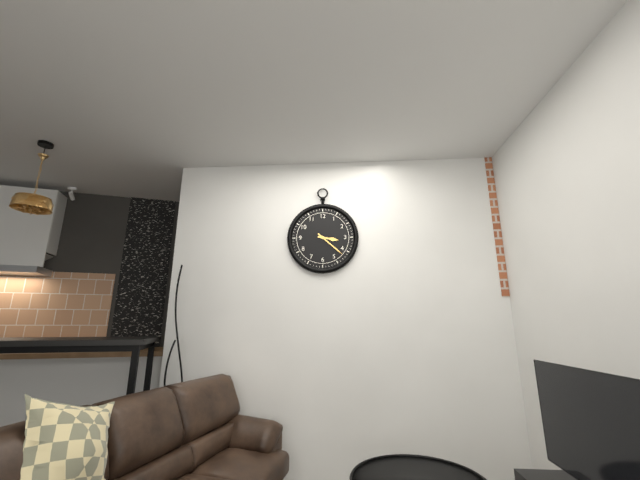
3h22
